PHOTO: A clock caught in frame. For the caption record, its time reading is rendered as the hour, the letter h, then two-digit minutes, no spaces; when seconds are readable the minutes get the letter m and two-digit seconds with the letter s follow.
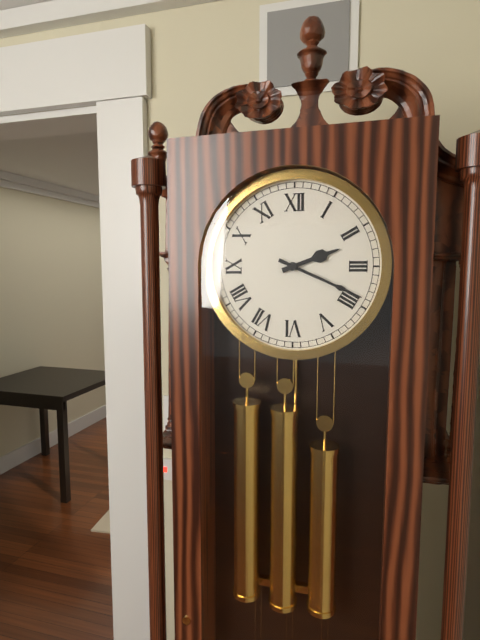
2h19
